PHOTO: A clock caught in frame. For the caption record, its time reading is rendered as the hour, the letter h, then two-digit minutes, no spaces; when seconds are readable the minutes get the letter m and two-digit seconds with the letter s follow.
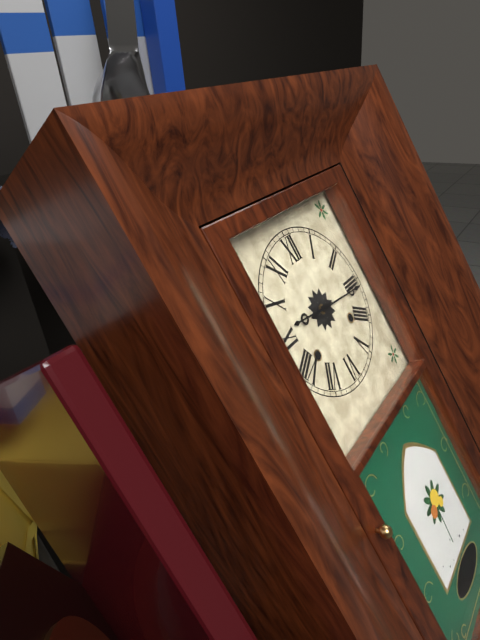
9h16
